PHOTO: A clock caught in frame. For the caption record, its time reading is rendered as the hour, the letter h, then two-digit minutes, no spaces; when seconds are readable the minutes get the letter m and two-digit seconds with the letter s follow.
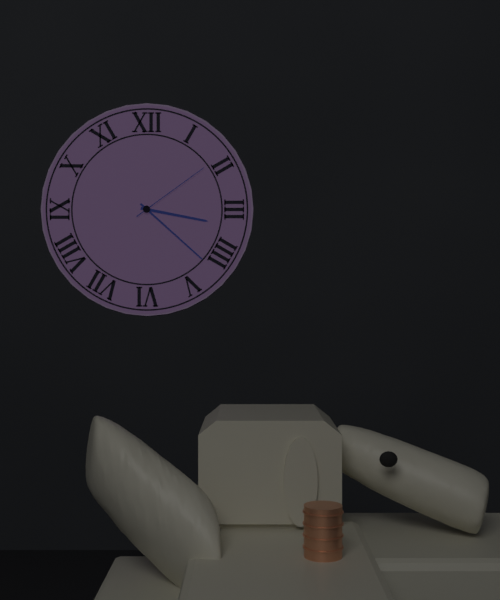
3h22m09s
